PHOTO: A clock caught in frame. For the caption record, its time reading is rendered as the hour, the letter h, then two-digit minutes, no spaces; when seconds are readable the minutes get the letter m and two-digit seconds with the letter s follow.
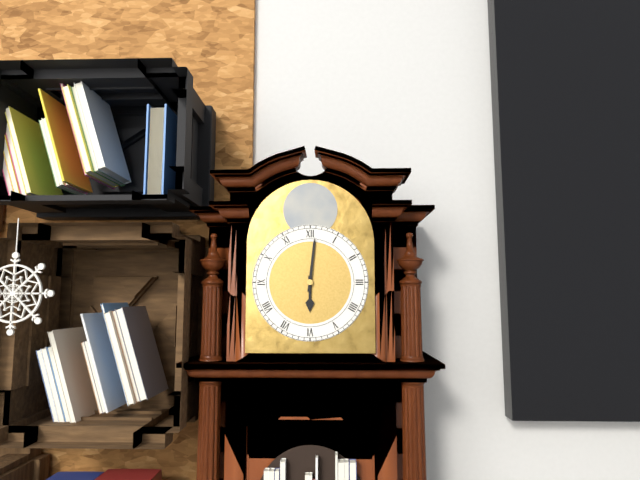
6h01
